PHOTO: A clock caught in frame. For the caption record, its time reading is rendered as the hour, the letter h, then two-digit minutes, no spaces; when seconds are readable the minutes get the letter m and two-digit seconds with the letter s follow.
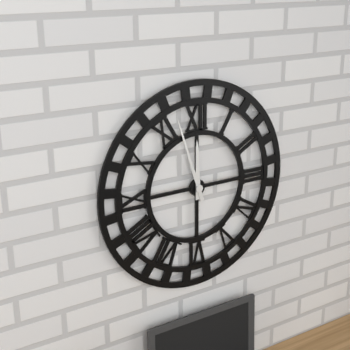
11h57
